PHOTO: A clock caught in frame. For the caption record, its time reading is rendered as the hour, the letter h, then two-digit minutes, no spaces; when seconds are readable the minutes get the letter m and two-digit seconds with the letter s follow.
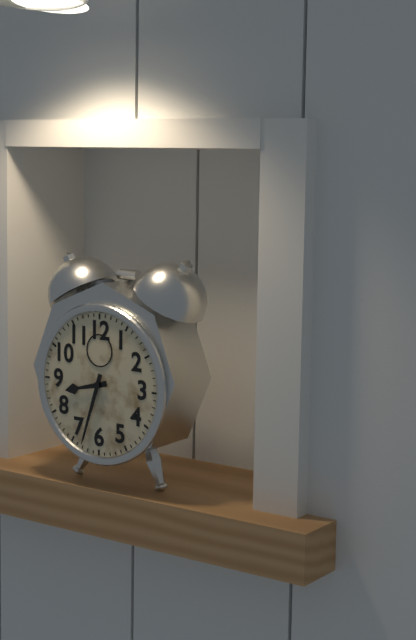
8h33
